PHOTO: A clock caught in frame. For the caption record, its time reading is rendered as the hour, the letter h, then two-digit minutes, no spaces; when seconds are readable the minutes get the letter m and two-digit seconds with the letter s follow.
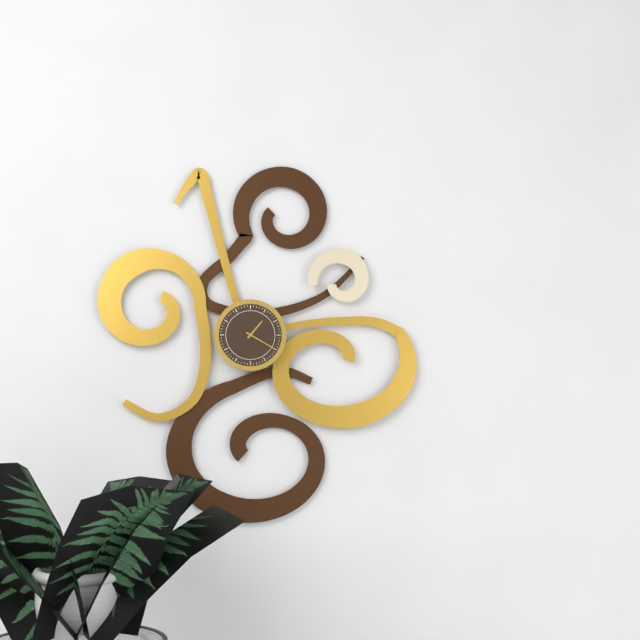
1h20
